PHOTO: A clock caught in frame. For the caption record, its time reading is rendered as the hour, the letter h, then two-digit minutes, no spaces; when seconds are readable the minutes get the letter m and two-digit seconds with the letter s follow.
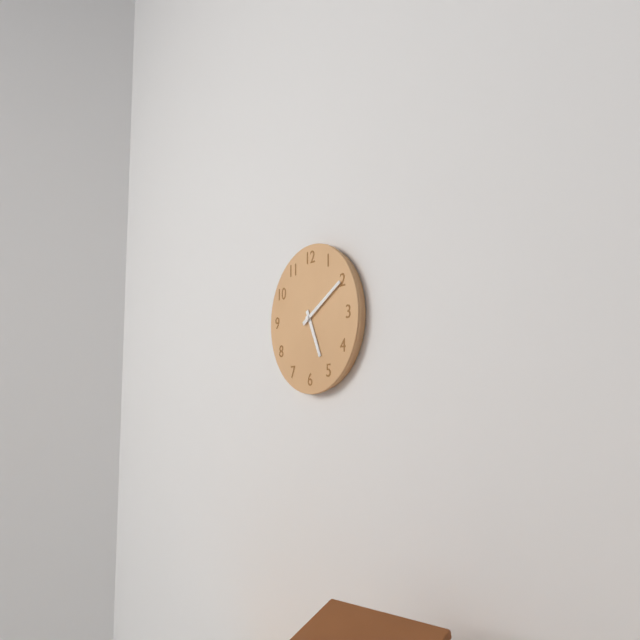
5h10
